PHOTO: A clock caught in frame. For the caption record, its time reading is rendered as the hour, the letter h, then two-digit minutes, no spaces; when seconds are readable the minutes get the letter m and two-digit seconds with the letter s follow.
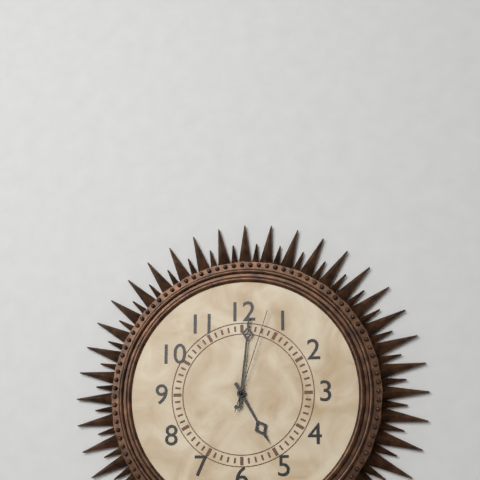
5h01m03s
